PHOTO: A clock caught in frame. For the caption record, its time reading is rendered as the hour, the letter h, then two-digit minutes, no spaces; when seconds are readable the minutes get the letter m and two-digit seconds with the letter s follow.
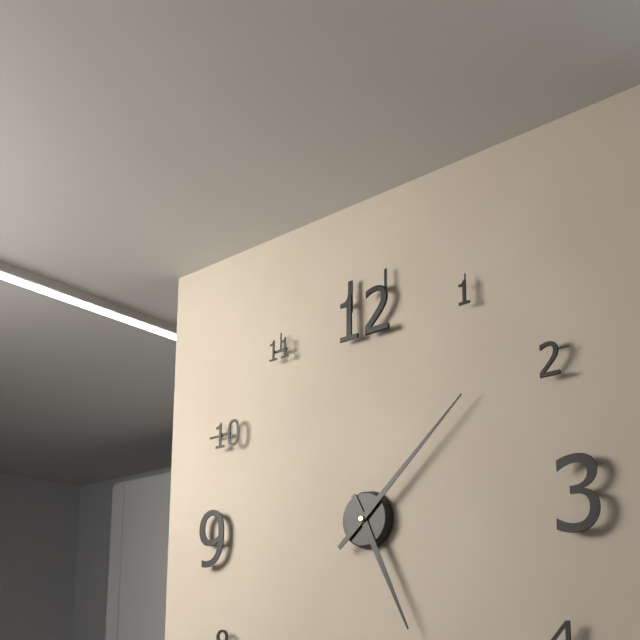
5h08
